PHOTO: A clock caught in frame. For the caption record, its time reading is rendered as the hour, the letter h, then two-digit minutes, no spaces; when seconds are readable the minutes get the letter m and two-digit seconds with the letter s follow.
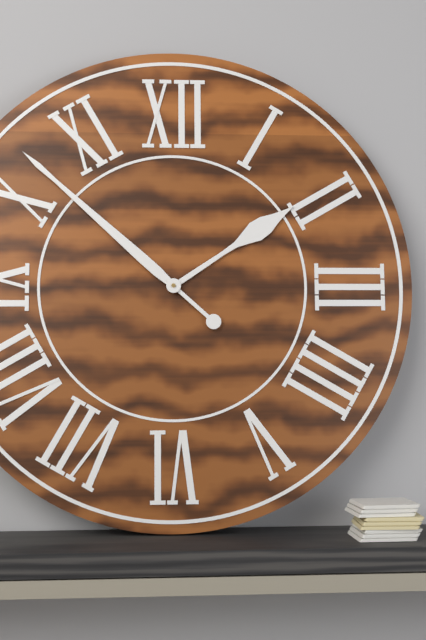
1h52
